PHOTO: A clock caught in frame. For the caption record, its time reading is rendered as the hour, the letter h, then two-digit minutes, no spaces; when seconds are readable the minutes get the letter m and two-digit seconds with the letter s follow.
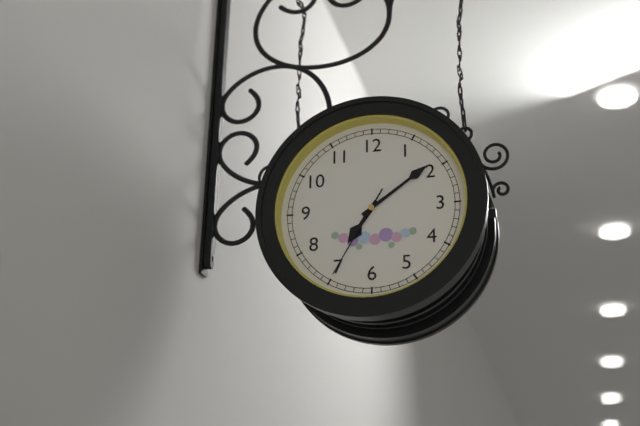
7h09m35s
